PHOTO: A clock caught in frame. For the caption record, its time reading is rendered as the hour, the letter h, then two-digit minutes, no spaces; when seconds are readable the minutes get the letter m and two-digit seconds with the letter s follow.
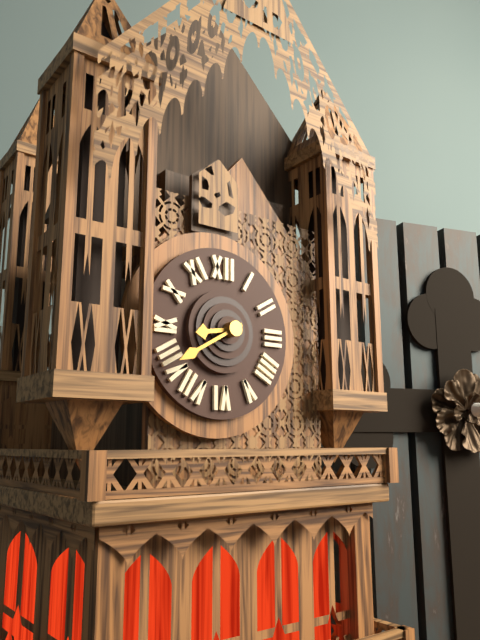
8h40
